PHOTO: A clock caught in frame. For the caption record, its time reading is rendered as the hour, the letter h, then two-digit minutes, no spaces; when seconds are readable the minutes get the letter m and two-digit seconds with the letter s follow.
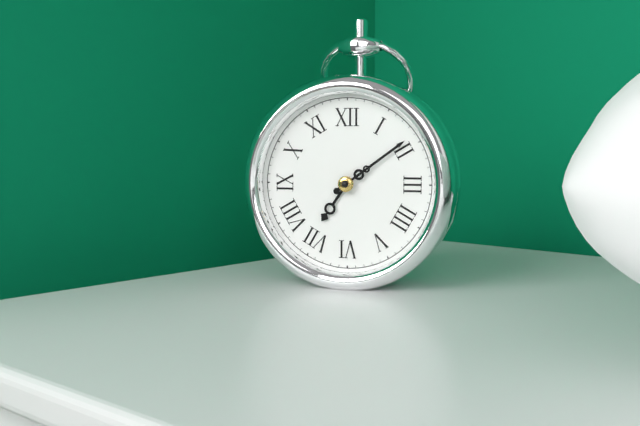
7h09
